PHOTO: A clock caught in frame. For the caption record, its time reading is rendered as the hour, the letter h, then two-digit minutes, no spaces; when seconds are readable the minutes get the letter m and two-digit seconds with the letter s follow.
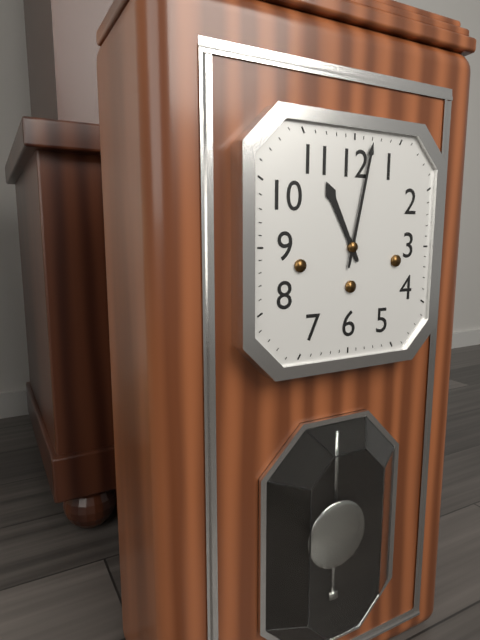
11h02
